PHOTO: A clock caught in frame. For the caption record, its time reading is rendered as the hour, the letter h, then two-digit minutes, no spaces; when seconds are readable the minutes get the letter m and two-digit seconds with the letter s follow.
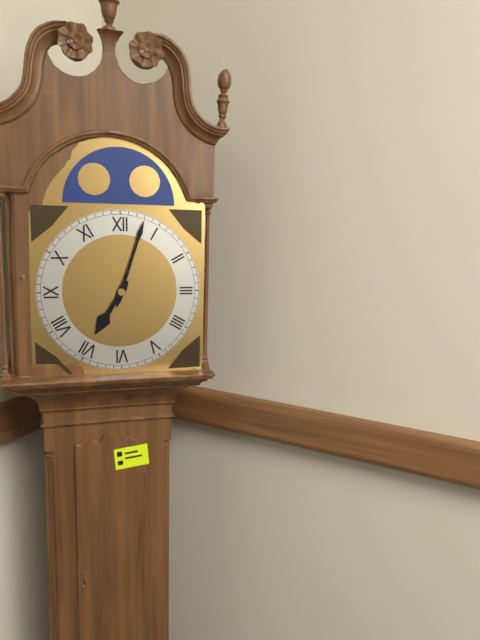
7h03
